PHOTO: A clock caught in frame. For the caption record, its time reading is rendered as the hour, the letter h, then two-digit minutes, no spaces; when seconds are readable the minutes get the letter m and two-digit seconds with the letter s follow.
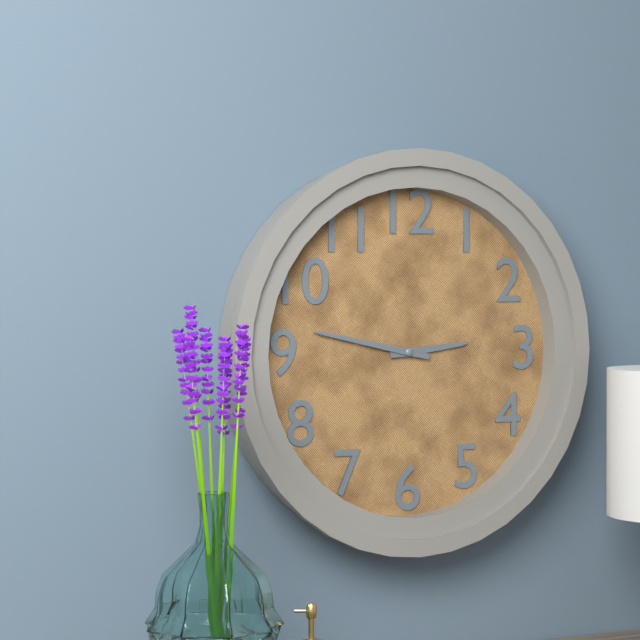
2h47
